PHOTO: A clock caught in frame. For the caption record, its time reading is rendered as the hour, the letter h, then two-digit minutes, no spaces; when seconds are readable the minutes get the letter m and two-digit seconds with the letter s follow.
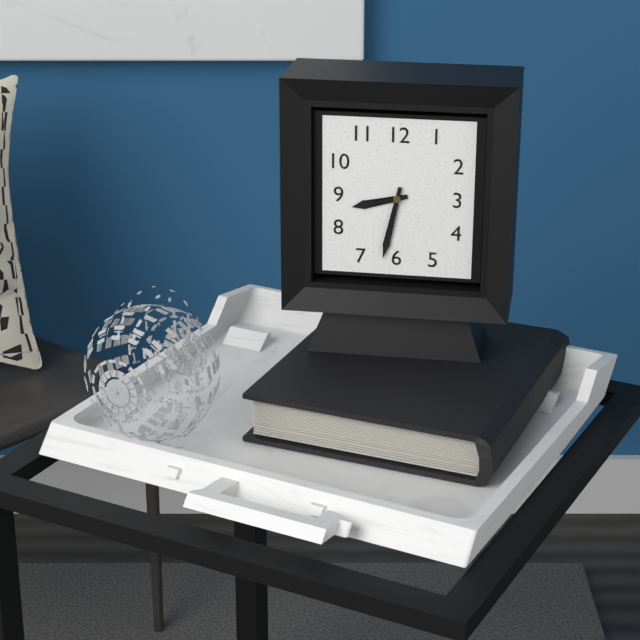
8h32
